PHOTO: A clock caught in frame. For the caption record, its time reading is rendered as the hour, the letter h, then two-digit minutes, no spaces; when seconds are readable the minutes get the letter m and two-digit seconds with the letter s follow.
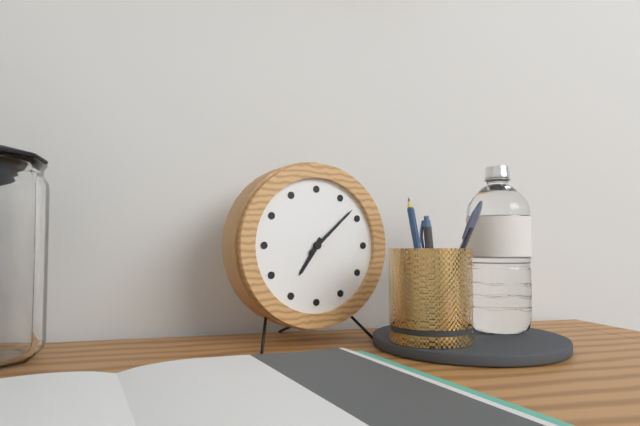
7h08
